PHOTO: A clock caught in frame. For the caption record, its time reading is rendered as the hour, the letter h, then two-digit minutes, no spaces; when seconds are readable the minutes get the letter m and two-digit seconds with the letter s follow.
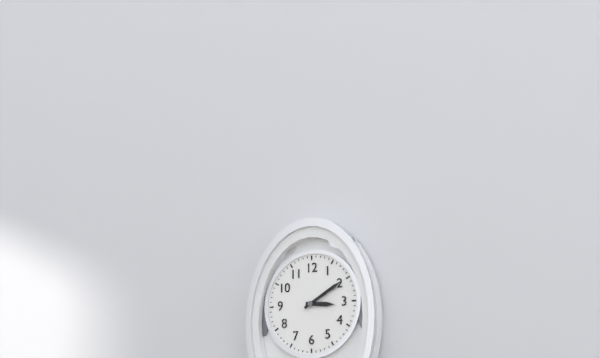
3h10
